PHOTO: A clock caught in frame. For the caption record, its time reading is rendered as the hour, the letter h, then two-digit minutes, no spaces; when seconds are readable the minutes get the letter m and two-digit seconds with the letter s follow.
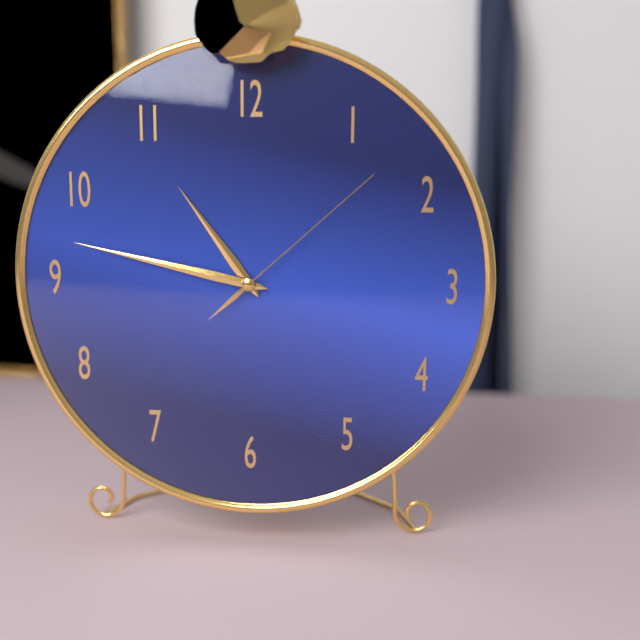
10h47m08s
